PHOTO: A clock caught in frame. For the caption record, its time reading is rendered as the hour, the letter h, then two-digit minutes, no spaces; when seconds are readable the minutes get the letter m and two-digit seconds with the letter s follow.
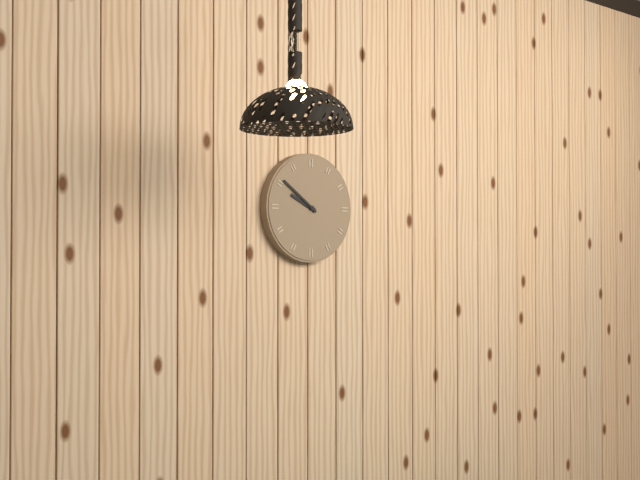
9h51
